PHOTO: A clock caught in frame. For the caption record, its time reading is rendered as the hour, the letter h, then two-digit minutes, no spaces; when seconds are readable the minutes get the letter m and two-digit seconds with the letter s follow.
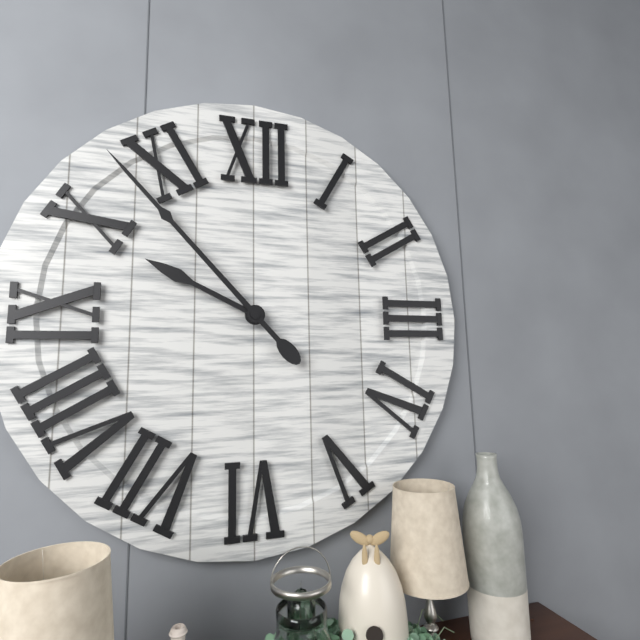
9h53
